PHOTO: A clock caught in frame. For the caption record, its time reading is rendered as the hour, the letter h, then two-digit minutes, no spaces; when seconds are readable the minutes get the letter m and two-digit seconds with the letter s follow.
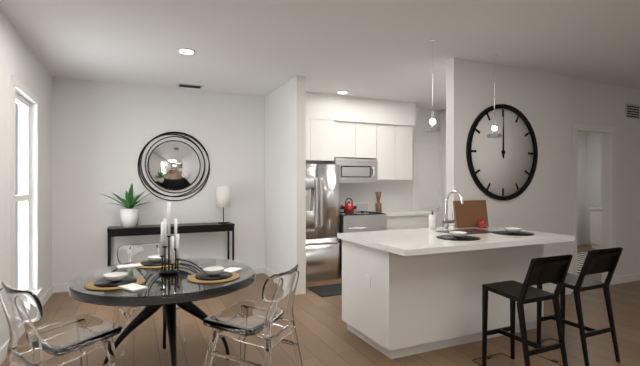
12h00
